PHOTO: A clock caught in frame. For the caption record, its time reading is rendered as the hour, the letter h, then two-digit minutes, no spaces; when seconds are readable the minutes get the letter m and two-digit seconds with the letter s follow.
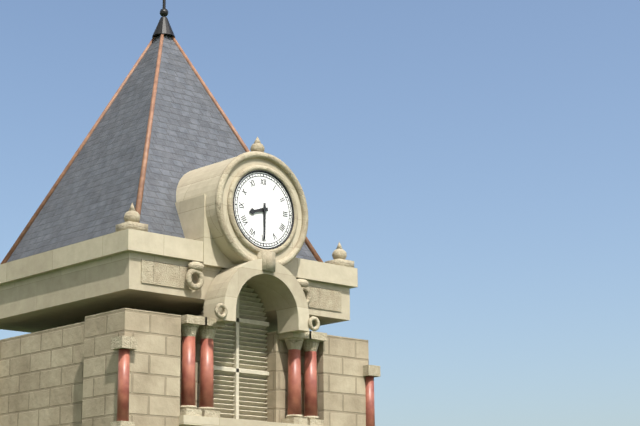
8h30
